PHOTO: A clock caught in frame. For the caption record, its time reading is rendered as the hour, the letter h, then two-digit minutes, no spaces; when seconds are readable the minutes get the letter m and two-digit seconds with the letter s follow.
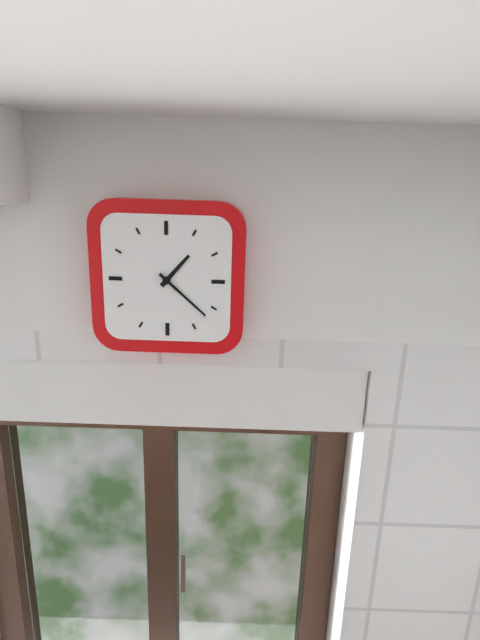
1h22
